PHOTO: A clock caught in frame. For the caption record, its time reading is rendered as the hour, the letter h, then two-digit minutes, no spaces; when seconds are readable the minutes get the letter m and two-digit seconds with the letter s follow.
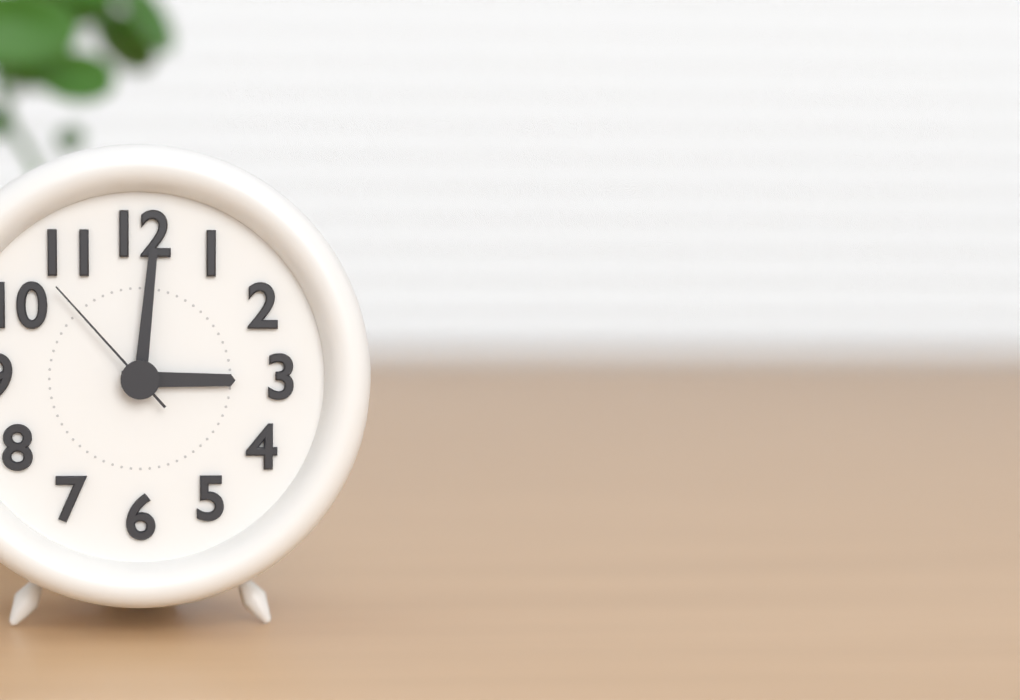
3h01m53s
